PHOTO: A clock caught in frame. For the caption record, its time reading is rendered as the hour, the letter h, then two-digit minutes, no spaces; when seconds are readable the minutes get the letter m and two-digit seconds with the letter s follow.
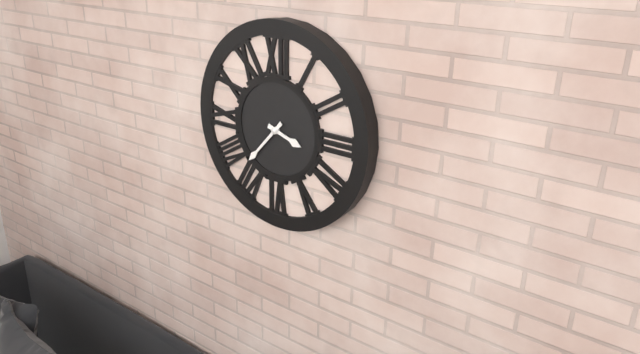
3h37
